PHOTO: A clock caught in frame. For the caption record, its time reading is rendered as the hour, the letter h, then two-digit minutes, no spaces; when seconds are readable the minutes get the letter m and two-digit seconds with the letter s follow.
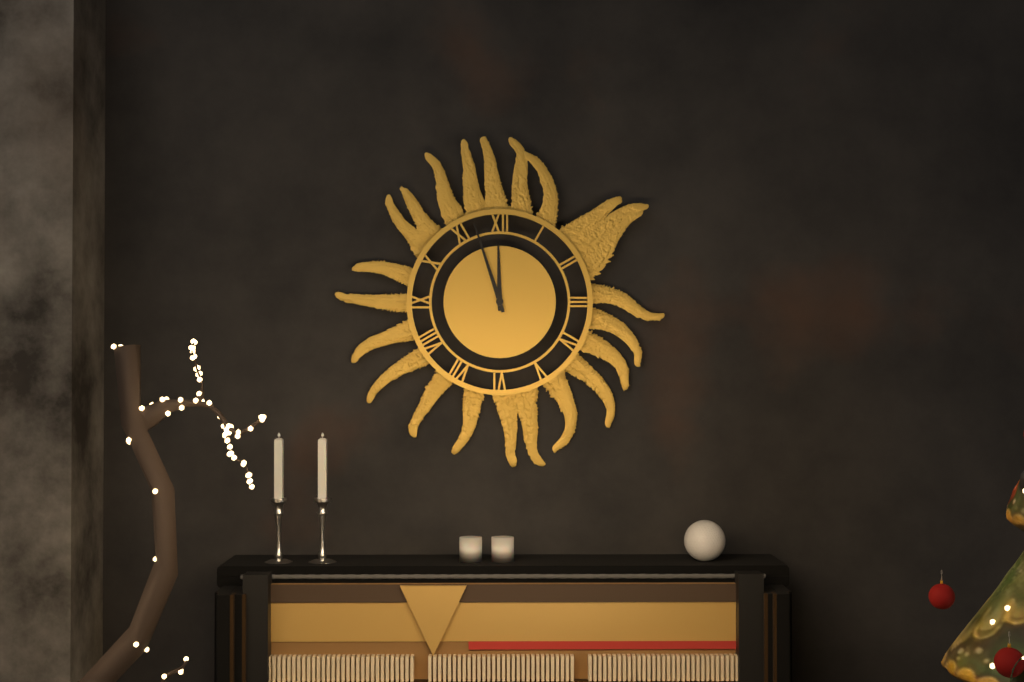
11h57
